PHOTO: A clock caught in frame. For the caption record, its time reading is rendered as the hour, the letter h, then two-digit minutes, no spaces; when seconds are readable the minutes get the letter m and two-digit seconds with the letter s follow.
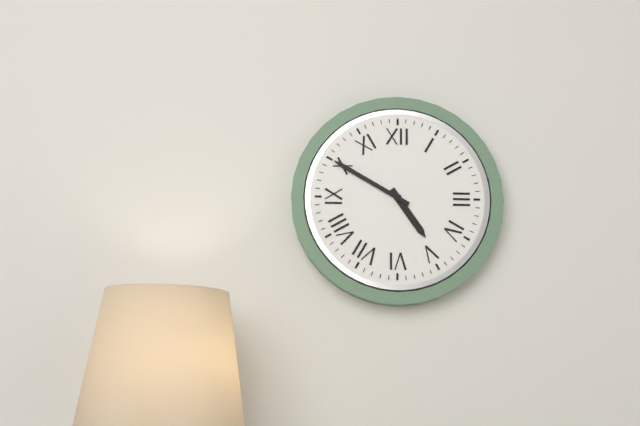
4h50
